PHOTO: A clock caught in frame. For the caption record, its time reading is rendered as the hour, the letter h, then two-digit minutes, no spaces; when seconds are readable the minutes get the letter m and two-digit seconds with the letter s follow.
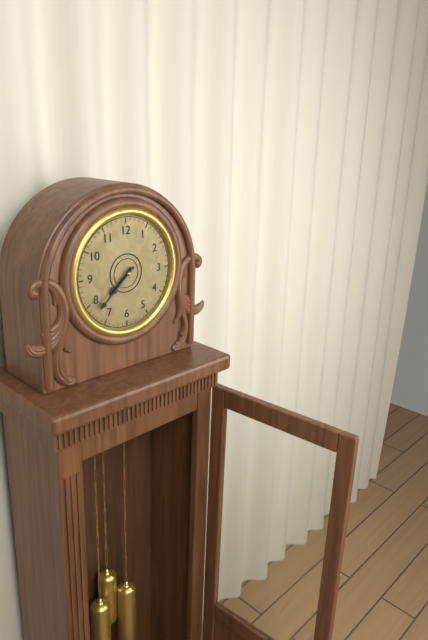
7h38
